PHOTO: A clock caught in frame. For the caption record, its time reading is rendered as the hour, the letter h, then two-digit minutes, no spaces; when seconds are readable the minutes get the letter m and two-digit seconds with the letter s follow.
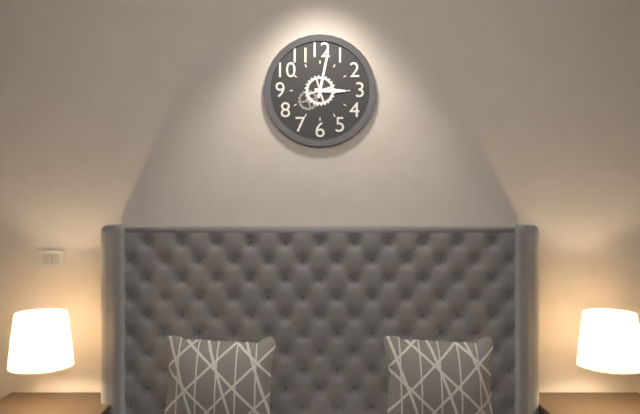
3h02
